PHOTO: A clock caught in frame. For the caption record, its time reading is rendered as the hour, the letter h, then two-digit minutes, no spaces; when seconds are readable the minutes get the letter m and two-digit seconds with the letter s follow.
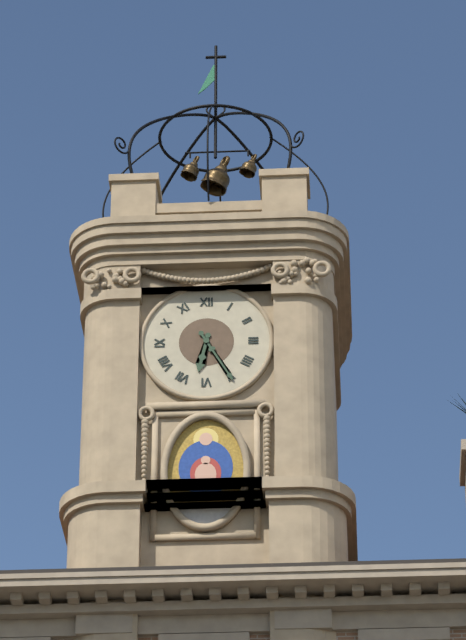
6h25
